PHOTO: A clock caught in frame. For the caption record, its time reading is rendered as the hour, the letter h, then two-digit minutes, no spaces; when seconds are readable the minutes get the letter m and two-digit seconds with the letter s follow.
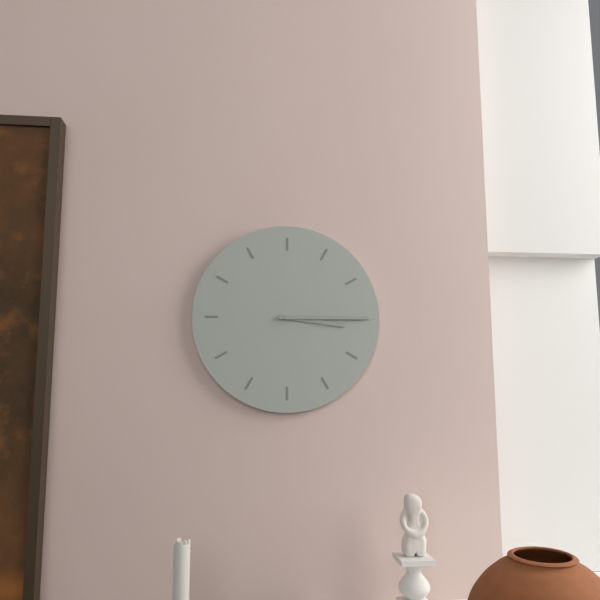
3h15
